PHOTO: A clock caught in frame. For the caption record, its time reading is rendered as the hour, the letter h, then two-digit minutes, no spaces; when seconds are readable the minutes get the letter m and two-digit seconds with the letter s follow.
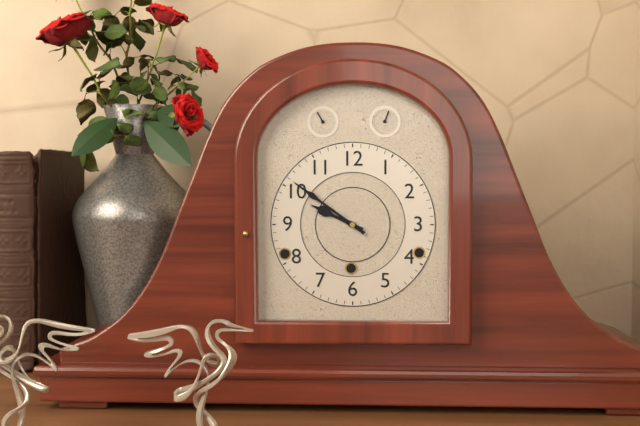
9h51
